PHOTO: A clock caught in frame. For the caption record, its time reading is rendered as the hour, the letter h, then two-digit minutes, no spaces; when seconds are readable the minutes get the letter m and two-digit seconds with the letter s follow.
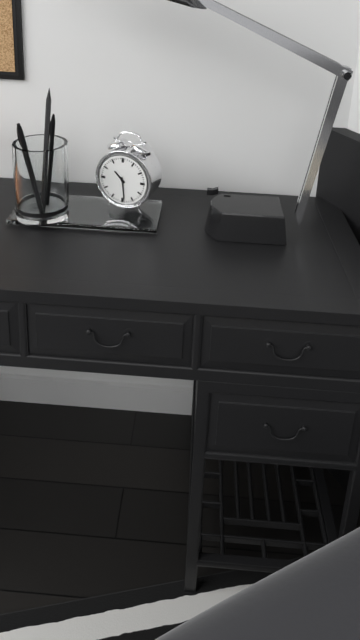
10h29
